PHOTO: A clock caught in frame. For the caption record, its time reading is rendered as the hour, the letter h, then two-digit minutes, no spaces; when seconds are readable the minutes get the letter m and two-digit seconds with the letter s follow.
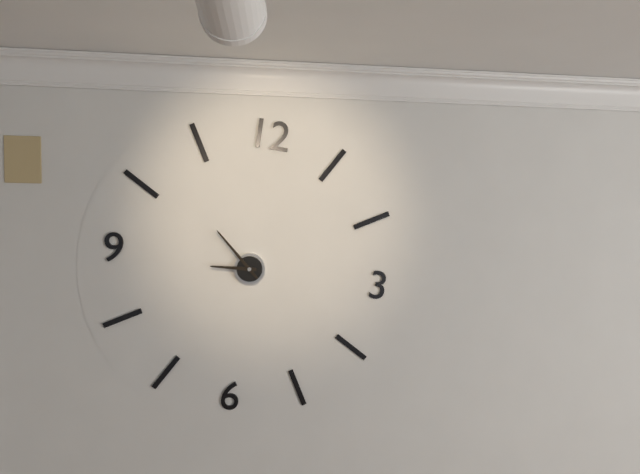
8h52
